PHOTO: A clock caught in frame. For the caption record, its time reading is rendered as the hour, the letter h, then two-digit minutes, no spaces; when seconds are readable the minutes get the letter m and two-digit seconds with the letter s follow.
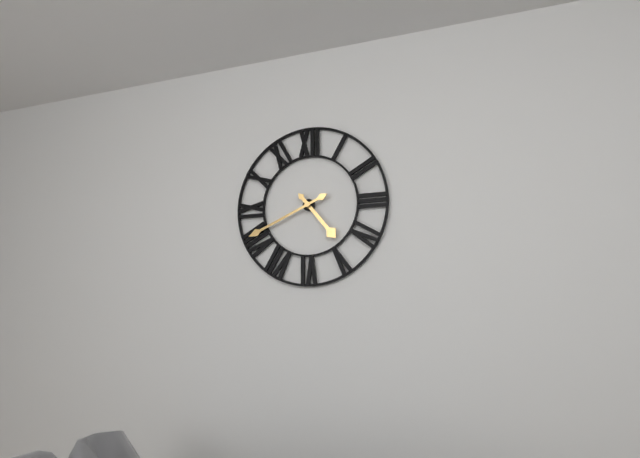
4h41
